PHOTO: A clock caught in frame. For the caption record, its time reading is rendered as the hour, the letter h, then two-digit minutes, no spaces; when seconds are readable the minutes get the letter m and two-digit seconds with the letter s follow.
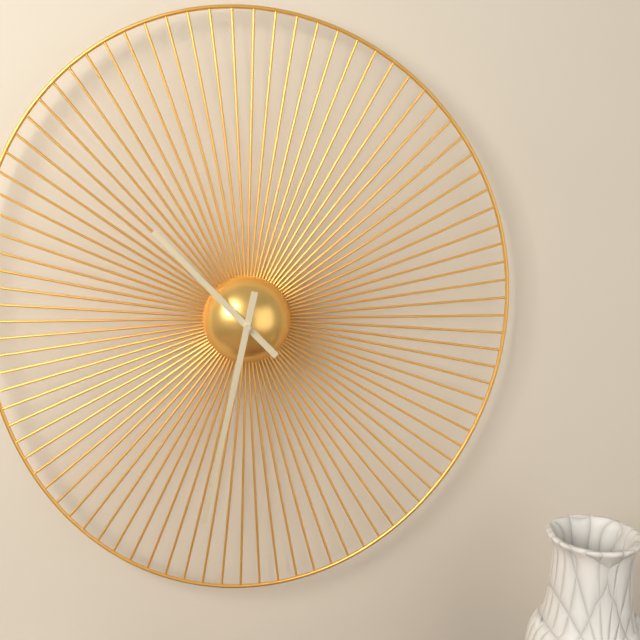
10h32
